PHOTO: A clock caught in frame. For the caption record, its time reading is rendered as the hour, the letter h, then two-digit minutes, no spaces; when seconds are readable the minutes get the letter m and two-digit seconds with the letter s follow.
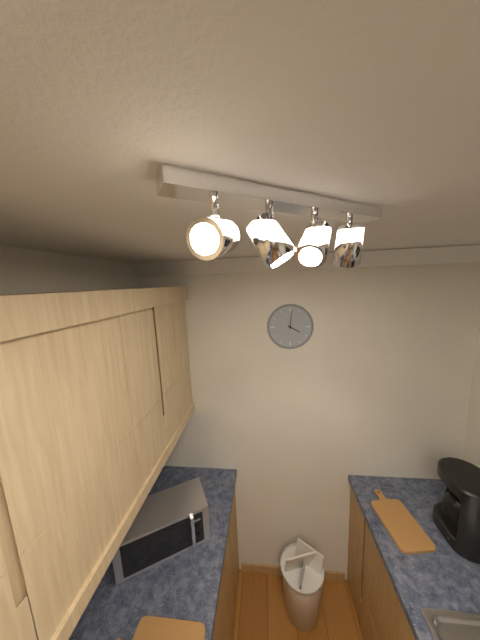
4h01
